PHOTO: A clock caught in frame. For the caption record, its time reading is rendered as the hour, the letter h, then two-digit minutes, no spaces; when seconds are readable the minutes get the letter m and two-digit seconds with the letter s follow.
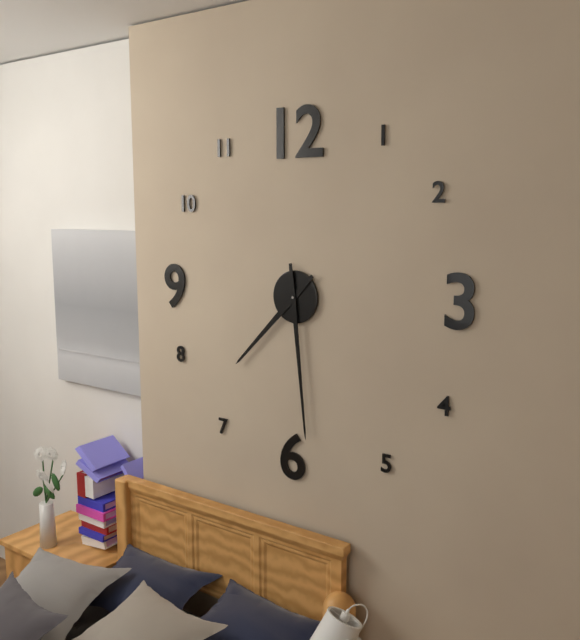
7h29
